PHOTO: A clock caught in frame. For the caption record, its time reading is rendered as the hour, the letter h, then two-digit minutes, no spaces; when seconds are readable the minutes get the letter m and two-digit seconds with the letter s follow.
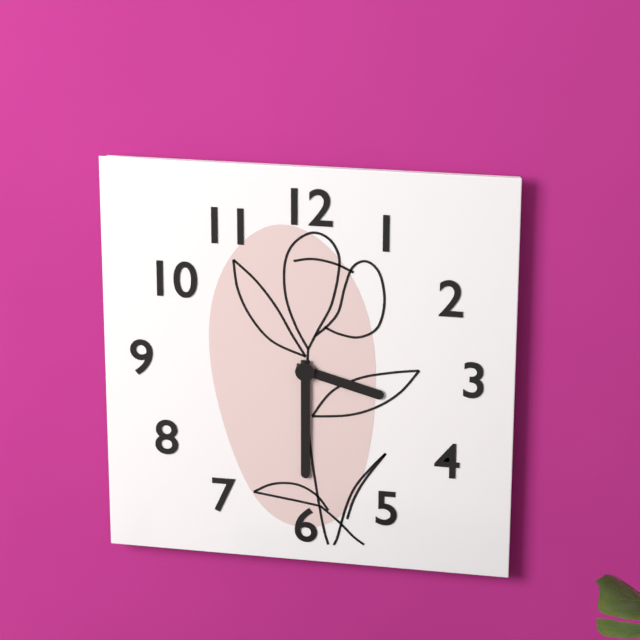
3h30
